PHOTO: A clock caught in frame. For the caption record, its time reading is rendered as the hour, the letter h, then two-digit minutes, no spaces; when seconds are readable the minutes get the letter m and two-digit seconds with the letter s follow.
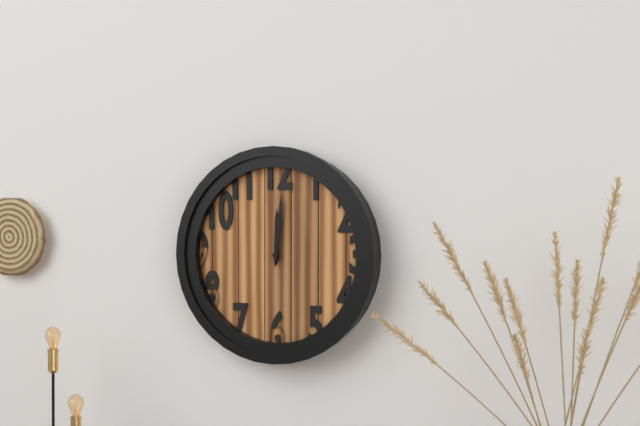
12h01
